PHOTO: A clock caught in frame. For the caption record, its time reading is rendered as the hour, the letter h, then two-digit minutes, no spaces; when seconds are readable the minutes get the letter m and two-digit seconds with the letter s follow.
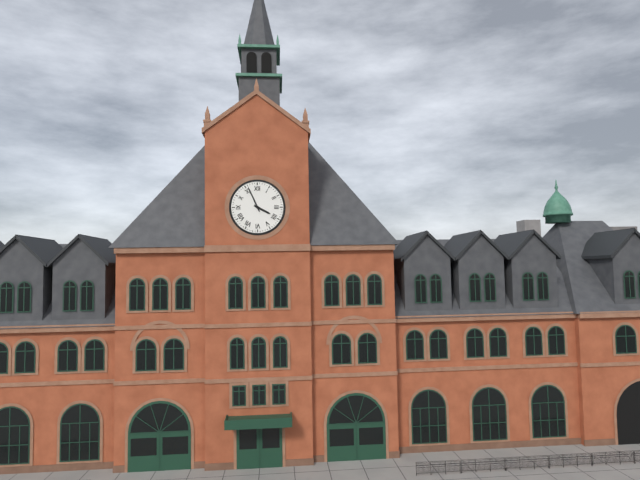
3h56
